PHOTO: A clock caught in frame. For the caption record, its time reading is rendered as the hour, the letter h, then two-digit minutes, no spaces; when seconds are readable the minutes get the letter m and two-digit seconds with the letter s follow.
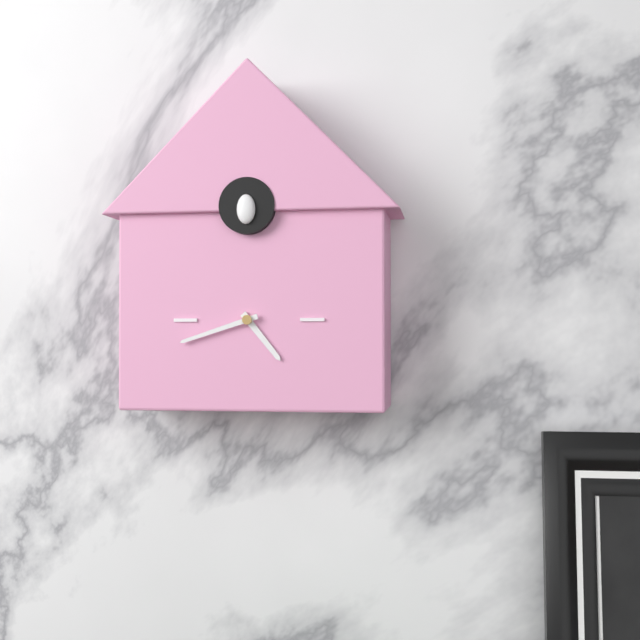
4h42
